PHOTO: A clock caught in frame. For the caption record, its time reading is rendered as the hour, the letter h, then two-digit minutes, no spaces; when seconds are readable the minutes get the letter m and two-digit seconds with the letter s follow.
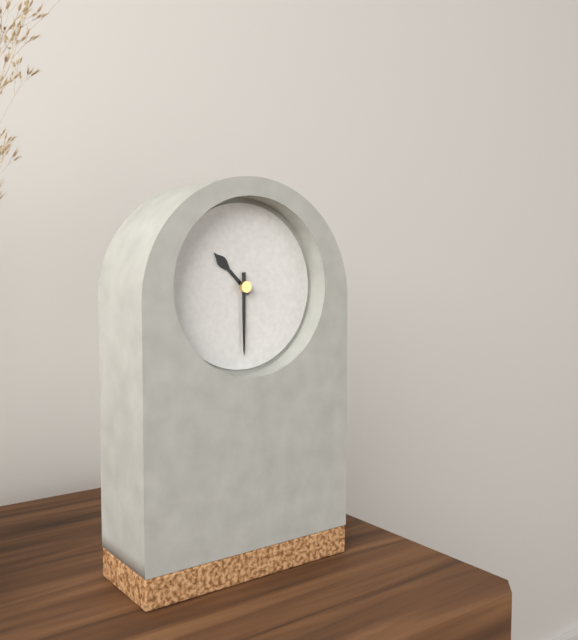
10h30
